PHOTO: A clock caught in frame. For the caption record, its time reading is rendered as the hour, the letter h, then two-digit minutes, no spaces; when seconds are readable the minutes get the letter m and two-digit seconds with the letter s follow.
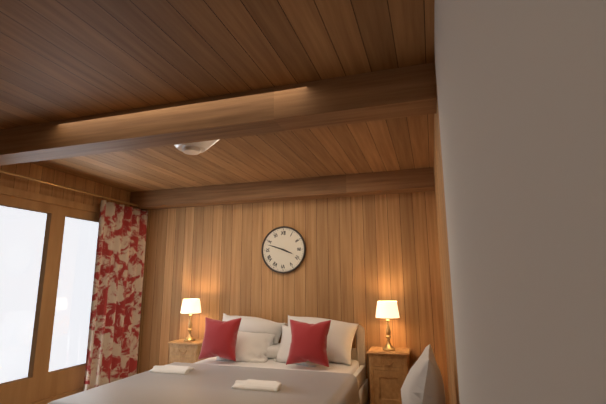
3h48
